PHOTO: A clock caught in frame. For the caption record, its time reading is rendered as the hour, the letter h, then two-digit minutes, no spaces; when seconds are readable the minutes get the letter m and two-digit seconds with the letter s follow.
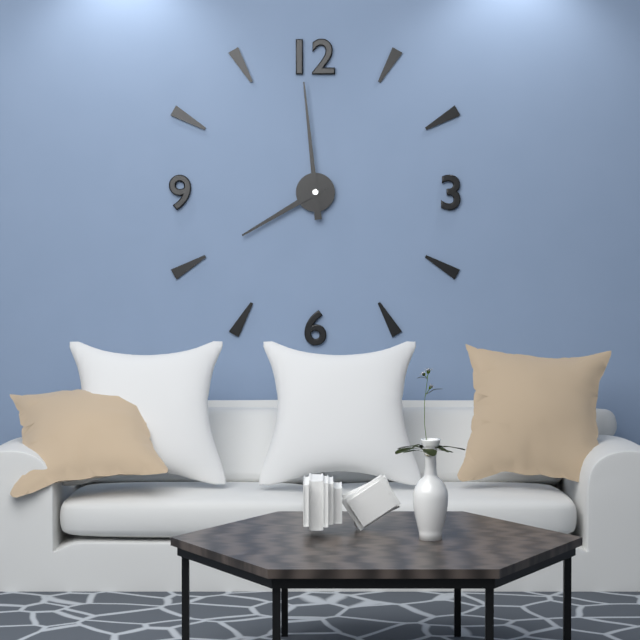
7h59
